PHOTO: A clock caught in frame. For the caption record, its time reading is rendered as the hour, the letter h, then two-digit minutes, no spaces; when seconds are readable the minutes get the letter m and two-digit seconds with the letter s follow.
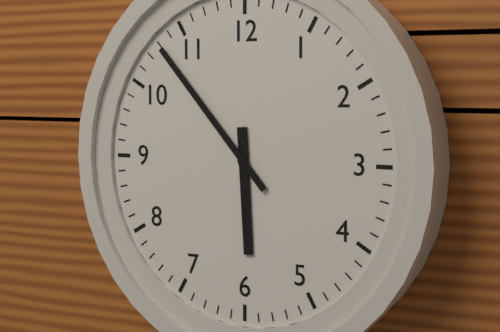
5h53
